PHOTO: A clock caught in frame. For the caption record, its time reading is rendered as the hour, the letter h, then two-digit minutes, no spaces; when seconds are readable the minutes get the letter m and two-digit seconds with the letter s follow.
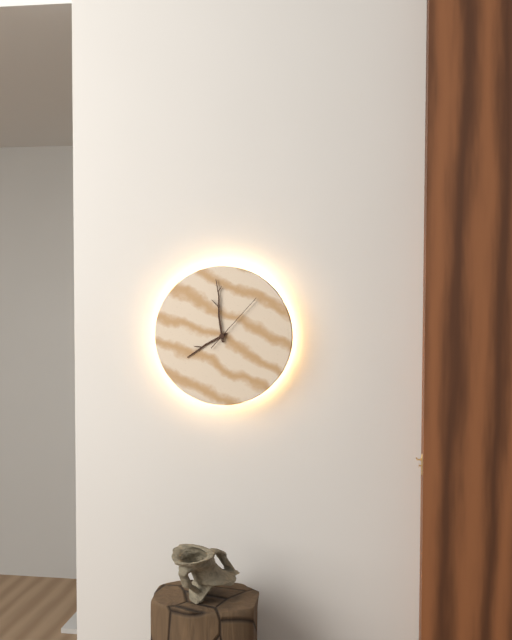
7h59m07s
